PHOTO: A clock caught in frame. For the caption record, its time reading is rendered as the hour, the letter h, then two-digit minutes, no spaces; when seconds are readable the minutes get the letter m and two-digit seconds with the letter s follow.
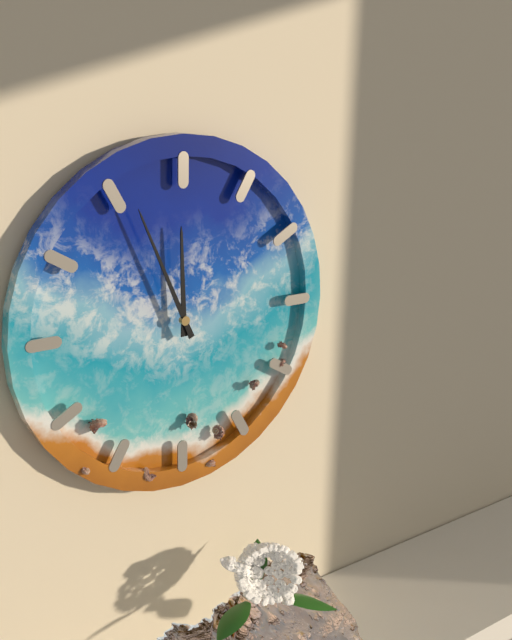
11h56
